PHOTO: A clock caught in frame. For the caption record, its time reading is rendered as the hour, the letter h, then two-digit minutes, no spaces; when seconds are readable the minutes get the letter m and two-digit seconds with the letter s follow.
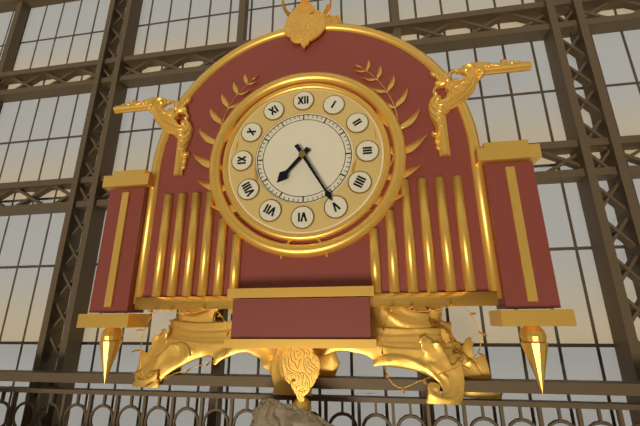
7h25
